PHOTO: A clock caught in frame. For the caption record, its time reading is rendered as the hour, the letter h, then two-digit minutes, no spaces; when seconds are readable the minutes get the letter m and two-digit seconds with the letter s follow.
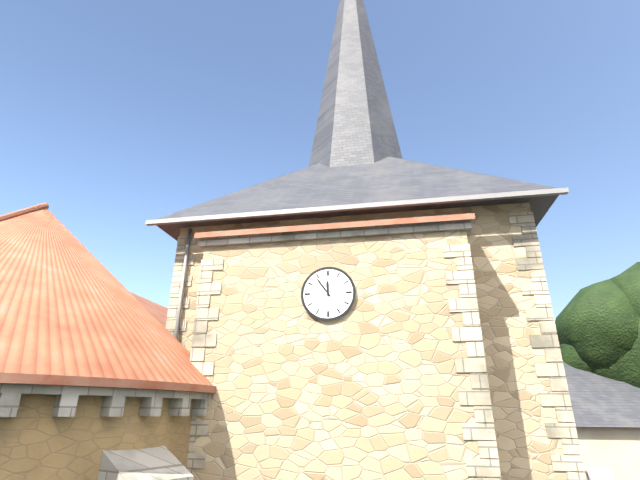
11h54
